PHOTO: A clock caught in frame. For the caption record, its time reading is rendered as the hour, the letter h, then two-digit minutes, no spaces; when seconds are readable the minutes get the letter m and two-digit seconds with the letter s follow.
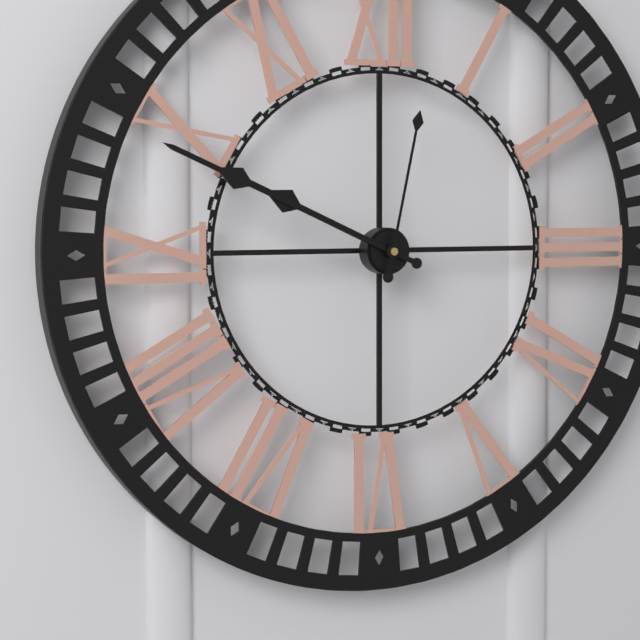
9h49m02s
